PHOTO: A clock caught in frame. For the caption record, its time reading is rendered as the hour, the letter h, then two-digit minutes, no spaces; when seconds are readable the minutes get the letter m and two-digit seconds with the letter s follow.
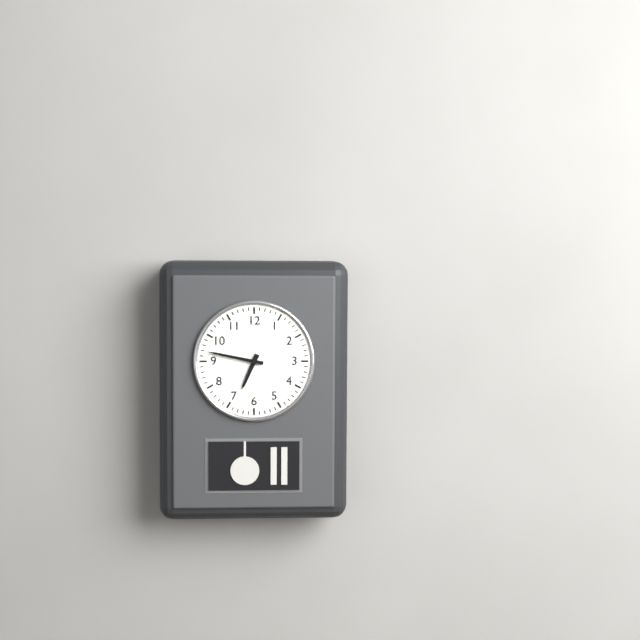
6h47
